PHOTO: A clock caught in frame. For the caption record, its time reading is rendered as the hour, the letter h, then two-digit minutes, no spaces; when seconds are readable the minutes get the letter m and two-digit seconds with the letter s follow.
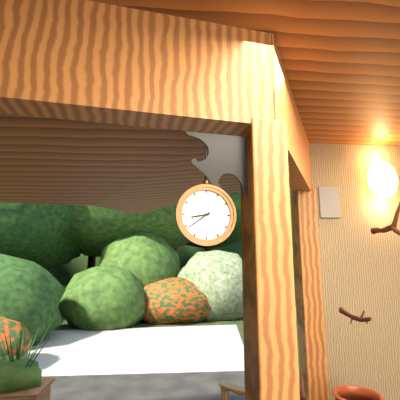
8h39
